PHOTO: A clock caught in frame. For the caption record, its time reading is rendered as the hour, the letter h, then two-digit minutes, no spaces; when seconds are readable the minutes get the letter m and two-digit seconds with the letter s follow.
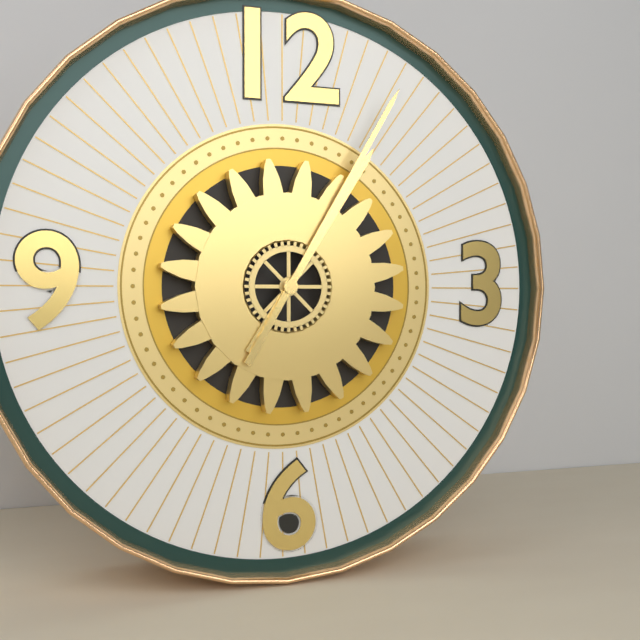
1h05
